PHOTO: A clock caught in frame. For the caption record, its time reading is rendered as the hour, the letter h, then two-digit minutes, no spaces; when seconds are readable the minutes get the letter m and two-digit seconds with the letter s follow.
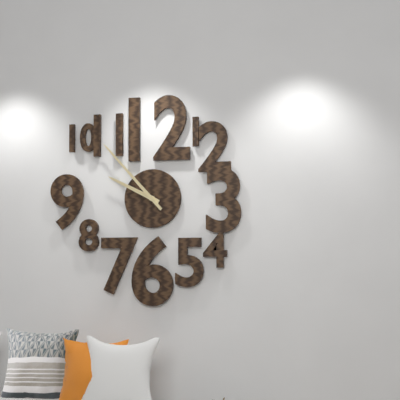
9h53
